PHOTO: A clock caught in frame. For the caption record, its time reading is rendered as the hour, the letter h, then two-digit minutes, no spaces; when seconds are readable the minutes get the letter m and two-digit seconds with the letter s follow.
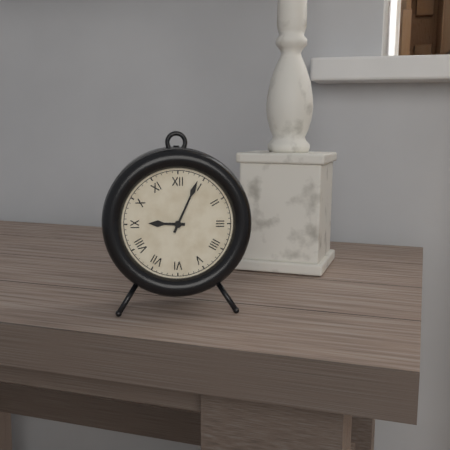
9h04
